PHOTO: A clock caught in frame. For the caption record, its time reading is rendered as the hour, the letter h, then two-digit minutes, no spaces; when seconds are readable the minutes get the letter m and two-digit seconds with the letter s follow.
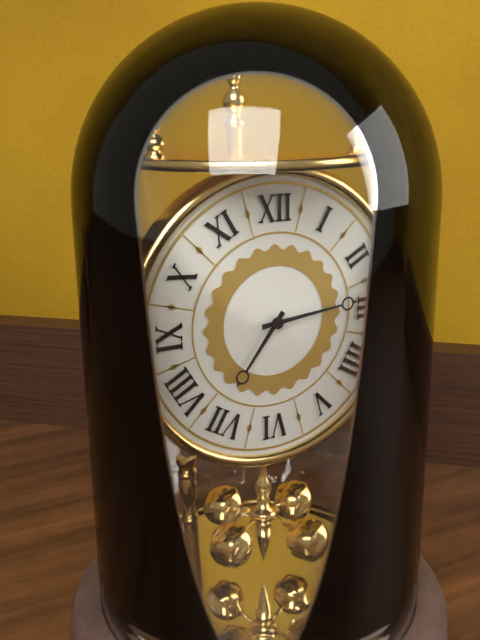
7h14
